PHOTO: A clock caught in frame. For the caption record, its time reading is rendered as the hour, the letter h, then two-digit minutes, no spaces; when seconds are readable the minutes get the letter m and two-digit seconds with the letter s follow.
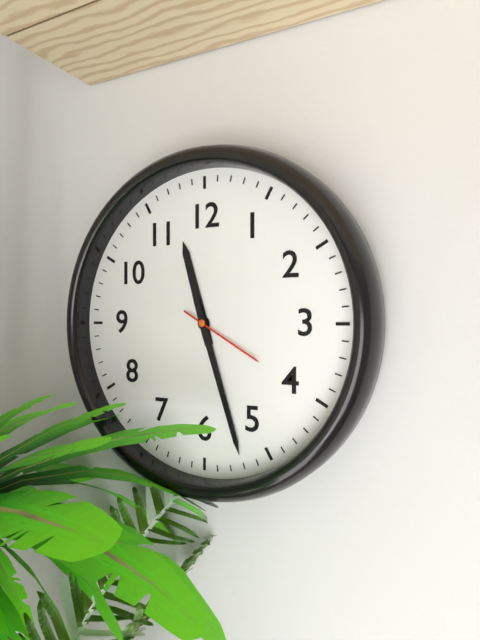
11h27m20s
